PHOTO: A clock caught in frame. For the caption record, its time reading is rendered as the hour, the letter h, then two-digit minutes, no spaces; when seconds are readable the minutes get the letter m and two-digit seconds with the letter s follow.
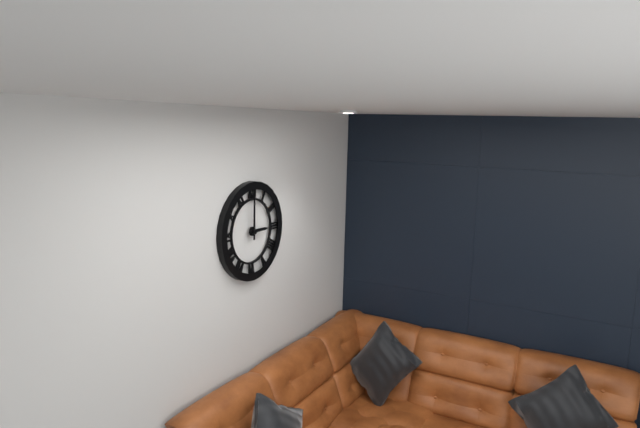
3h00
